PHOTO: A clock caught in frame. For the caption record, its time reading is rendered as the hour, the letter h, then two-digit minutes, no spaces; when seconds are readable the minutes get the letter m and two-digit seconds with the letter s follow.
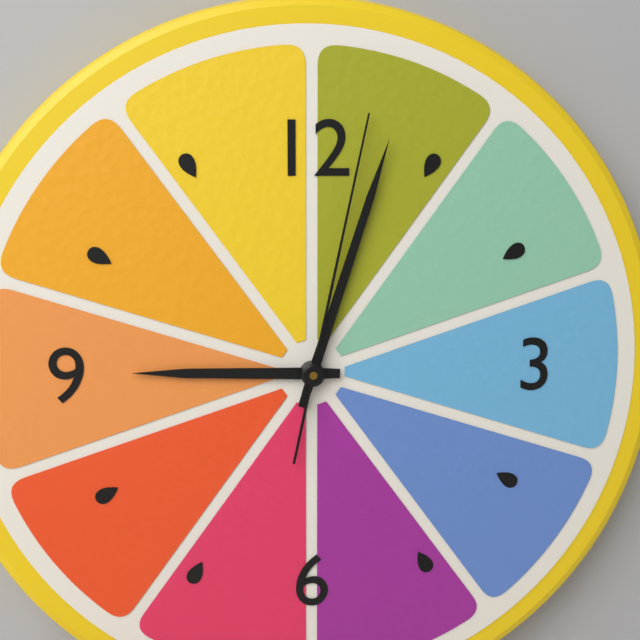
9h03m02s
